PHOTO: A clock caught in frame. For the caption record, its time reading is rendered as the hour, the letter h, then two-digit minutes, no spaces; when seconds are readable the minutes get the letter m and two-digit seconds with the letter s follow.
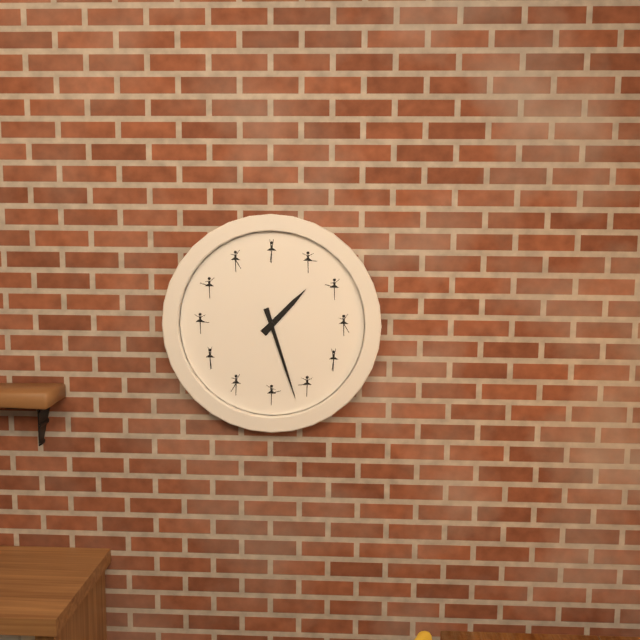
1h27
